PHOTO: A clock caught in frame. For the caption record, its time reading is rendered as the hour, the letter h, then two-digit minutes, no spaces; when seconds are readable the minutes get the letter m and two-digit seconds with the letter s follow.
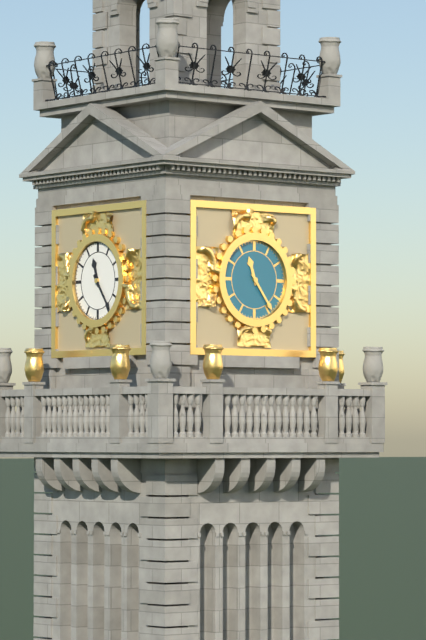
11h24
